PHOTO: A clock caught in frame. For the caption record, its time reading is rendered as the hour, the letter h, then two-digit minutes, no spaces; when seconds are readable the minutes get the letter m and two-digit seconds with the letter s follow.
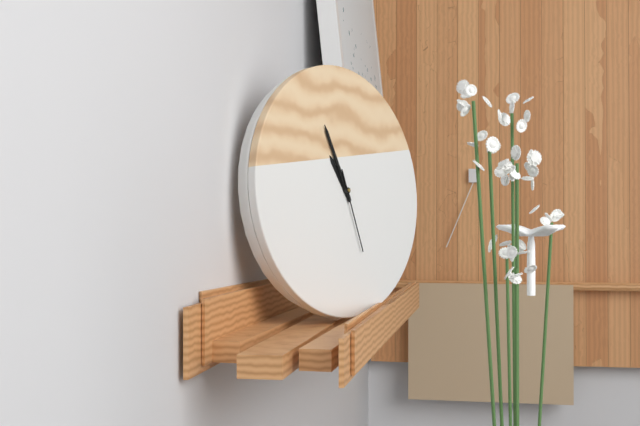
10h56m27s
